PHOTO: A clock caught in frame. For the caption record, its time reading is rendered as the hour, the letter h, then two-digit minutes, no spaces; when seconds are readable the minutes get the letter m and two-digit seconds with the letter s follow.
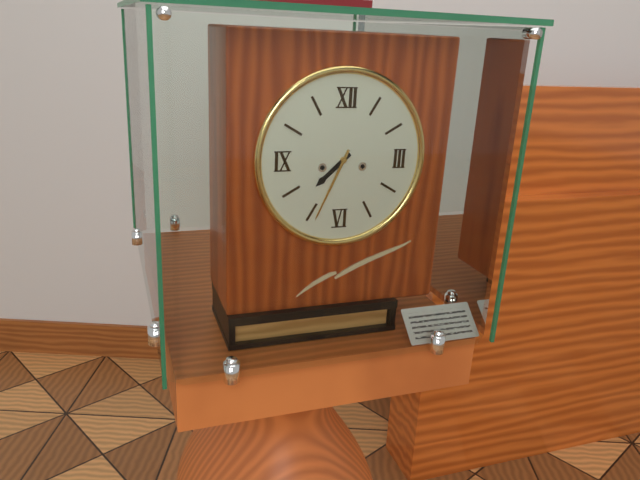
7h34
